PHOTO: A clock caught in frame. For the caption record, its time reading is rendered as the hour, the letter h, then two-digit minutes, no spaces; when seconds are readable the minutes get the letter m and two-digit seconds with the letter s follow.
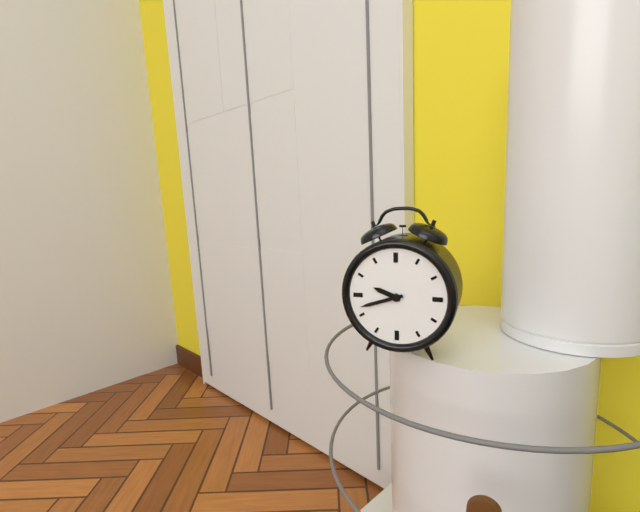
9h42
